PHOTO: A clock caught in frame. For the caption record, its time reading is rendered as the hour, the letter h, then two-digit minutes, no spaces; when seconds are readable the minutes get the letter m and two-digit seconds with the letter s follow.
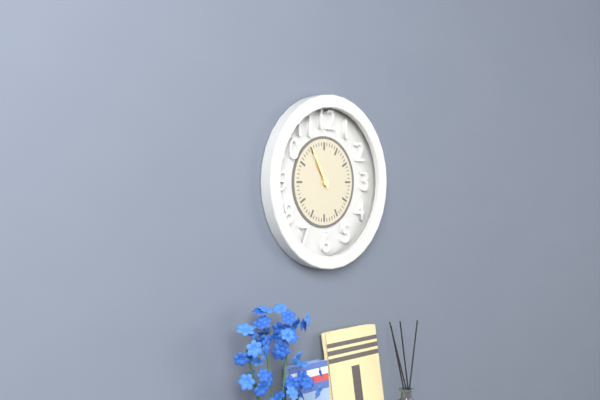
10h55
